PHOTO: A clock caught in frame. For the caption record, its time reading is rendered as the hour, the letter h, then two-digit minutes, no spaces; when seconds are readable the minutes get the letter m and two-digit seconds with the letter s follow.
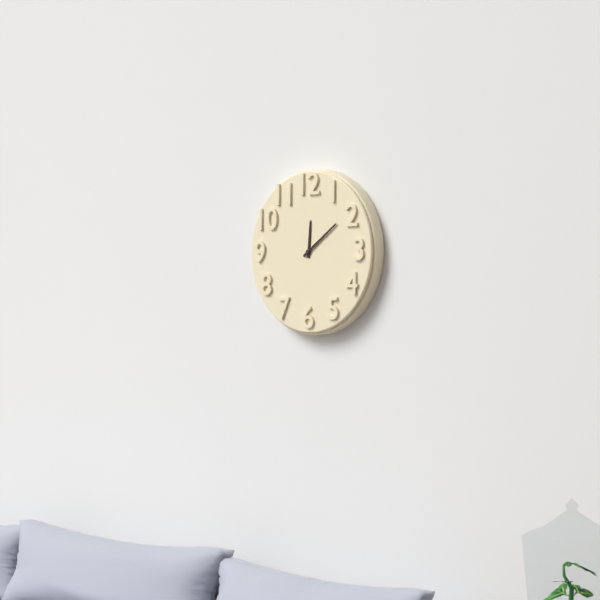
12h09
